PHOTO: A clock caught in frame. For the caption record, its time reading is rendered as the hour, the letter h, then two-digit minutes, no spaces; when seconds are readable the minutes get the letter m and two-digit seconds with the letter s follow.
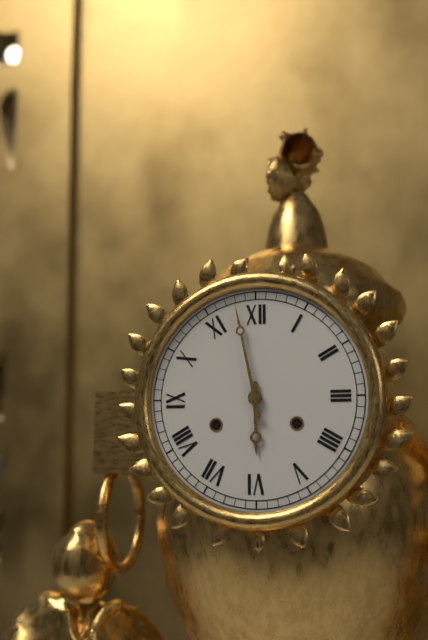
5h58
